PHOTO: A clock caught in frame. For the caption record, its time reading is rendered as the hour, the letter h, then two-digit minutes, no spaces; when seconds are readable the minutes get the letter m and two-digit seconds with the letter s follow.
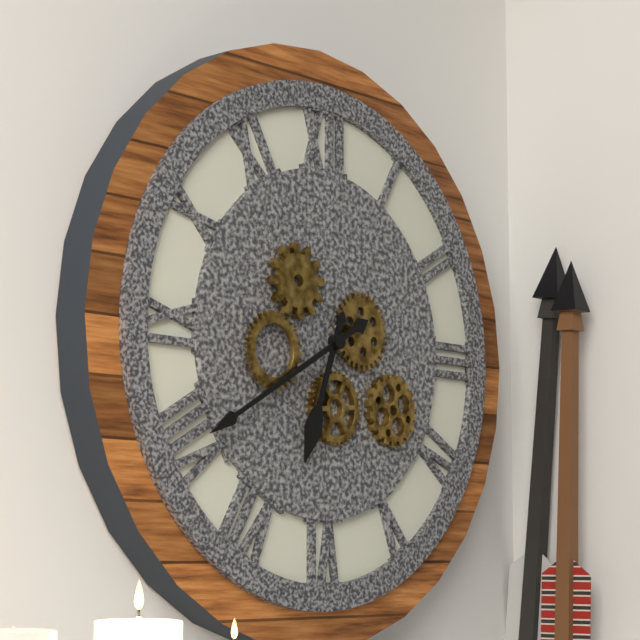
6h40
